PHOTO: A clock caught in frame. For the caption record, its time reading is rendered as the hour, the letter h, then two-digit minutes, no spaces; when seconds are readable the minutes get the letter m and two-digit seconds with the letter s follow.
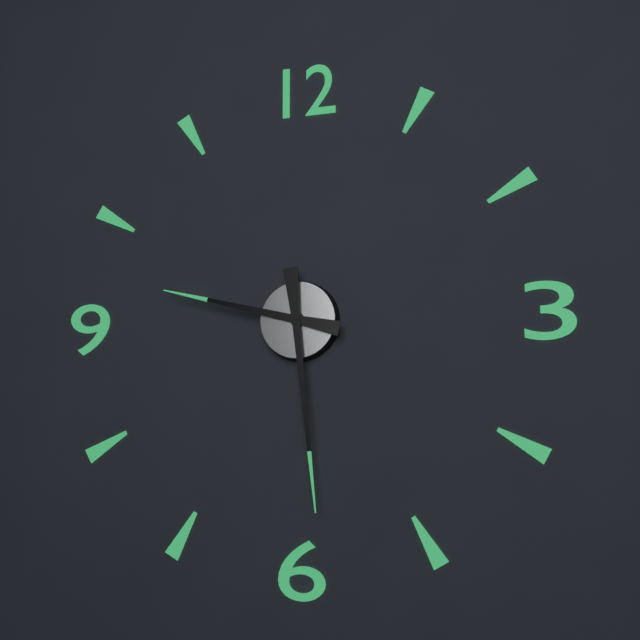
9h29
